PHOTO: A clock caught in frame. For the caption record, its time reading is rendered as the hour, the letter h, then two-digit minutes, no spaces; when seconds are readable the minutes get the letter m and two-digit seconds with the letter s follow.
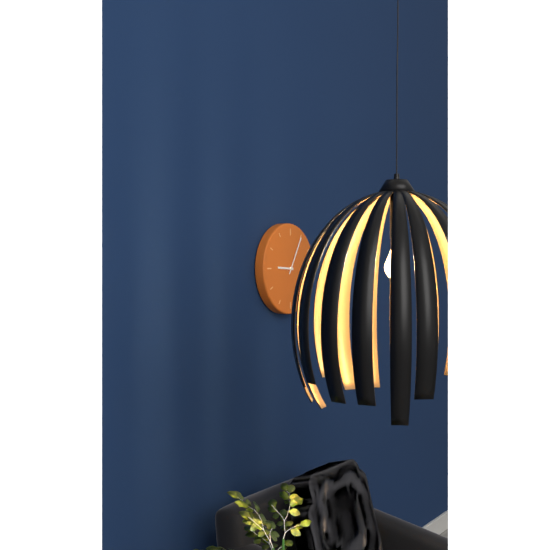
9h05
